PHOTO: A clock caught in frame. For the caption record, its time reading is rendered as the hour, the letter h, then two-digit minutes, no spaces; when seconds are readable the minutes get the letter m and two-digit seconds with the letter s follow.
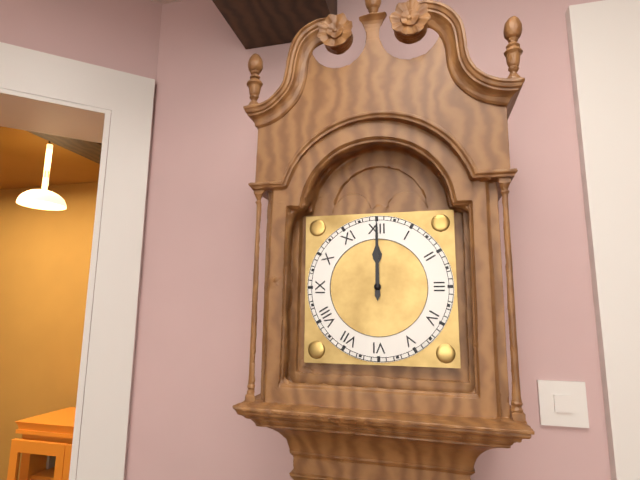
12h00
